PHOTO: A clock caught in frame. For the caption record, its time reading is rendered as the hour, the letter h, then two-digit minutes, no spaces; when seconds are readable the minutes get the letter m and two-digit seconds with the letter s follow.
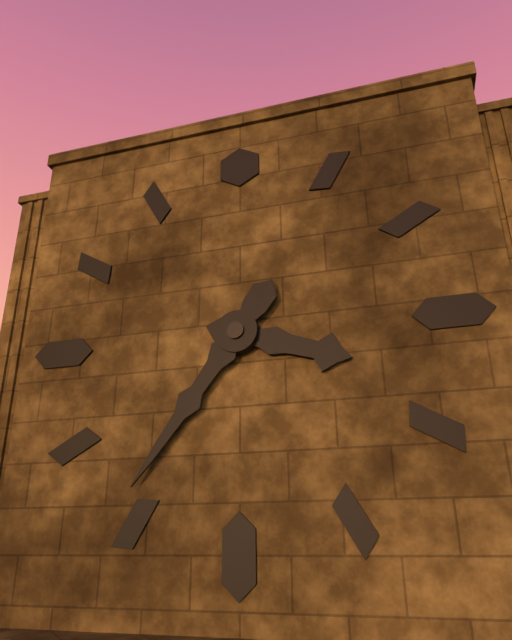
3h36
